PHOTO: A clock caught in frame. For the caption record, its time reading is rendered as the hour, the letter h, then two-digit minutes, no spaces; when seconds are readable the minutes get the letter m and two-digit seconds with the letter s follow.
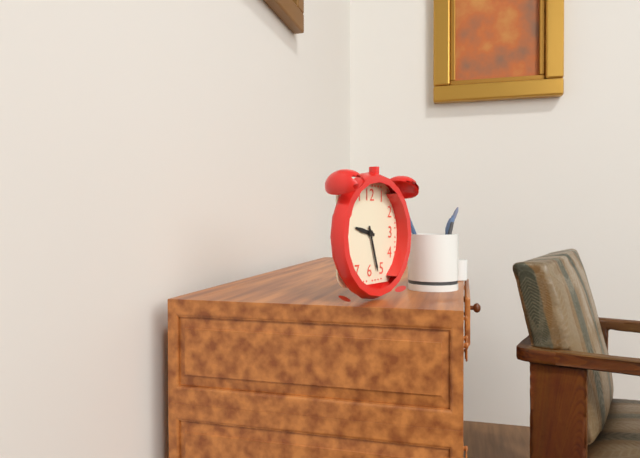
9h27
